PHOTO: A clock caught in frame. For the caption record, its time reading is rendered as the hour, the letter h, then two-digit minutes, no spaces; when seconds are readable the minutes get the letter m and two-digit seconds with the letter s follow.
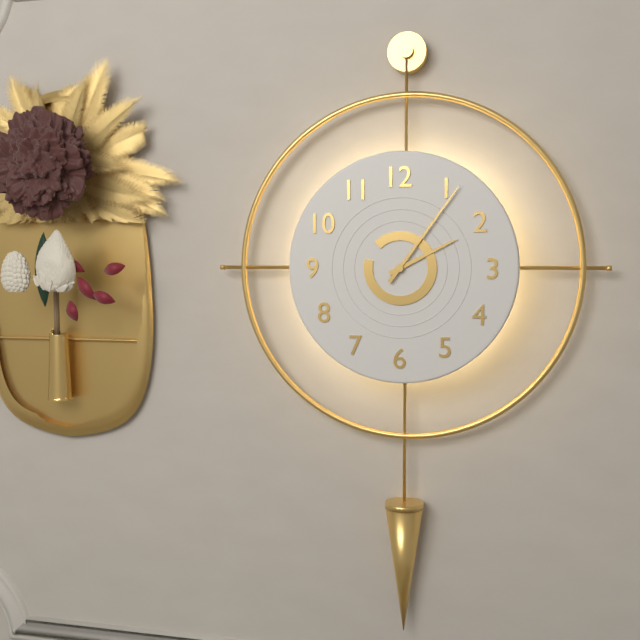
2h06
